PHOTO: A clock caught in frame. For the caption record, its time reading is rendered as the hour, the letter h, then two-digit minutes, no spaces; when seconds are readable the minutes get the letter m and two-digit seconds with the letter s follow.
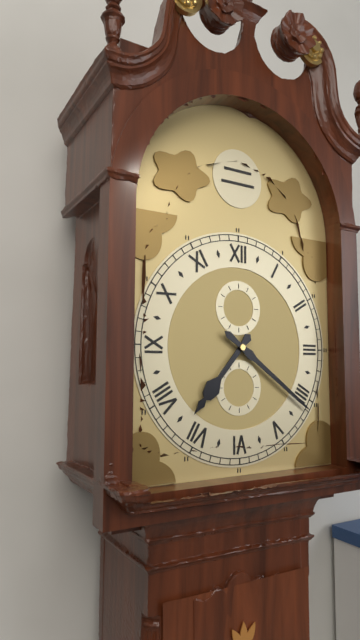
7h21
